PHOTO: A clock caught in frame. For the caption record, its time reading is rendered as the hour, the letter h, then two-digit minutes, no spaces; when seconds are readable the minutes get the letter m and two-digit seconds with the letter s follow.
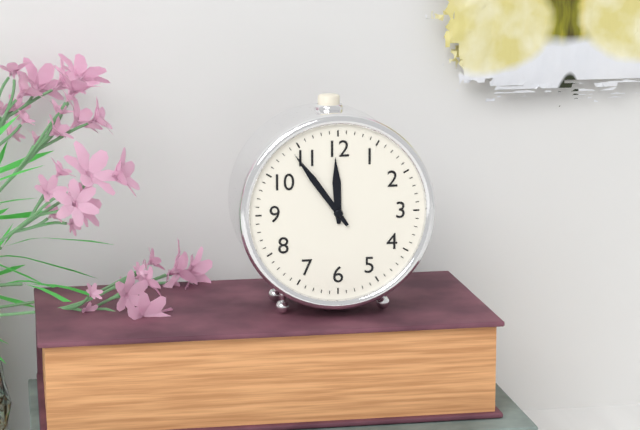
11h54
